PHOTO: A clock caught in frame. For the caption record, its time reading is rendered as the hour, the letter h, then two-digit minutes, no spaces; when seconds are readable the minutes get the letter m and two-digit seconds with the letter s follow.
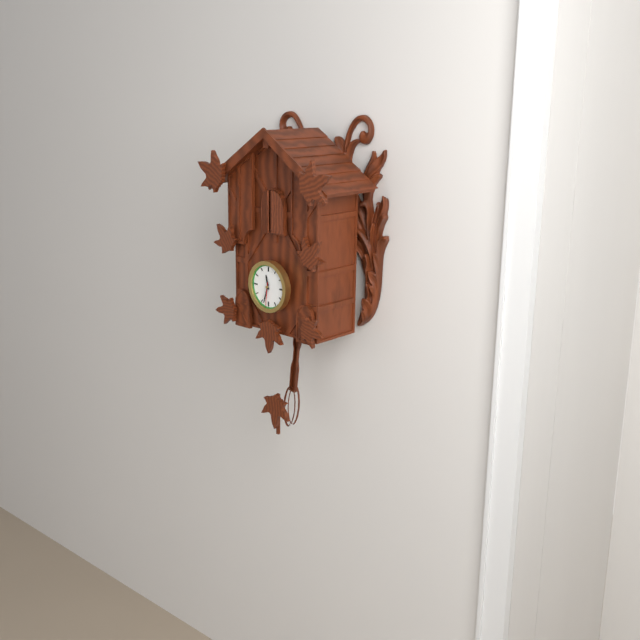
11h33
